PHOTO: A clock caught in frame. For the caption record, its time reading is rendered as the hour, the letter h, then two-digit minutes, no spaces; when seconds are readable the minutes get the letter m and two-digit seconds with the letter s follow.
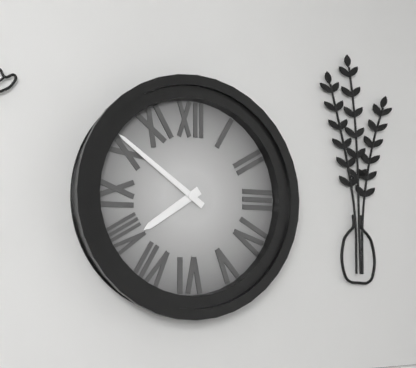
7h51
